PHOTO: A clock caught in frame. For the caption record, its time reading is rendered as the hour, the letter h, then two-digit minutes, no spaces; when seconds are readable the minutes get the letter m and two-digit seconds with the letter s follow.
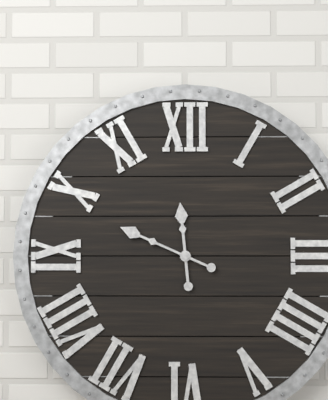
11h49
